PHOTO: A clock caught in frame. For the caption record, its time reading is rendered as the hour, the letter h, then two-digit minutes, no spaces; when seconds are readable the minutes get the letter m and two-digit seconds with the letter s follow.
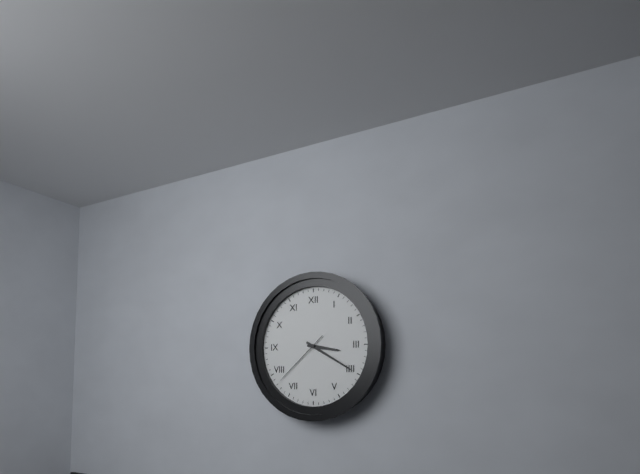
3h20m38s
